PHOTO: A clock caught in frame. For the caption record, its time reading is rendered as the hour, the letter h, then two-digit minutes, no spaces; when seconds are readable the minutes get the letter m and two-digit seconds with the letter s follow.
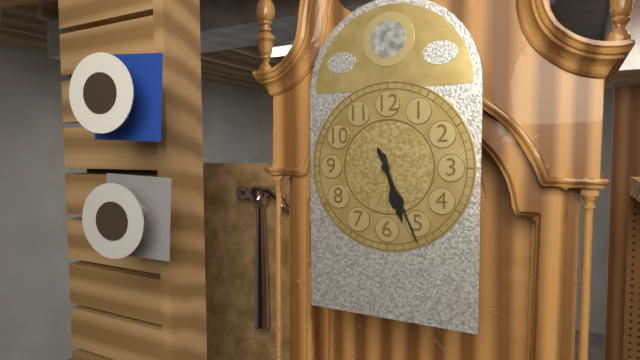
5h26
